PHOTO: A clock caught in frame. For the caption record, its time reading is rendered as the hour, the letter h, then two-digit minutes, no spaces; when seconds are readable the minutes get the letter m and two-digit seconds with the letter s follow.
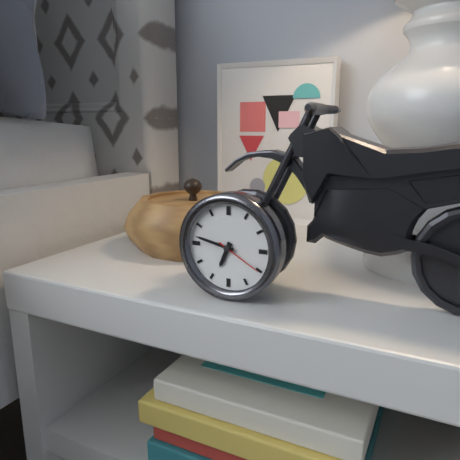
6h47
